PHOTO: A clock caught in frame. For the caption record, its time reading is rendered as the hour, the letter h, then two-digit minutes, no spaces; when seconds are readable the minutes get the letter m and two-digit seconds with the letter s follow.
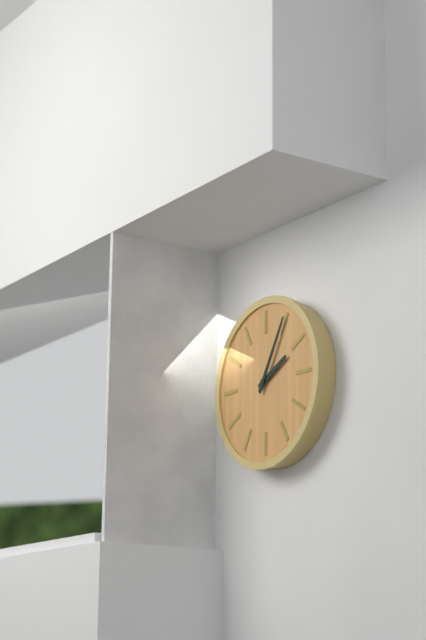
2h05
